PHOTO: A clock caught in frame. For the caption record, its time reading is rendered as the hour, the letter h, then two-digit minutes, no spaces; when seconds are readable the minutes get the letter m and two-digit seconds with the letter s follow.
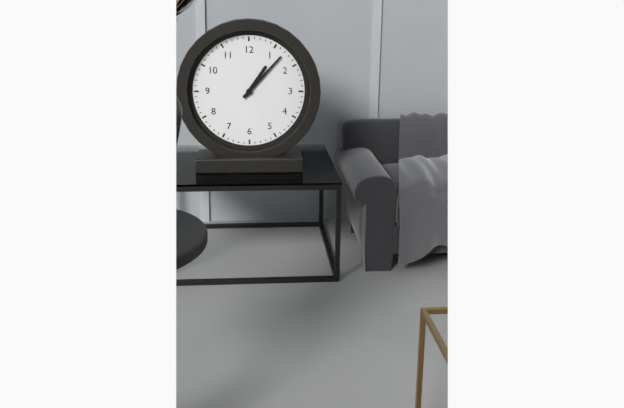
1h07
